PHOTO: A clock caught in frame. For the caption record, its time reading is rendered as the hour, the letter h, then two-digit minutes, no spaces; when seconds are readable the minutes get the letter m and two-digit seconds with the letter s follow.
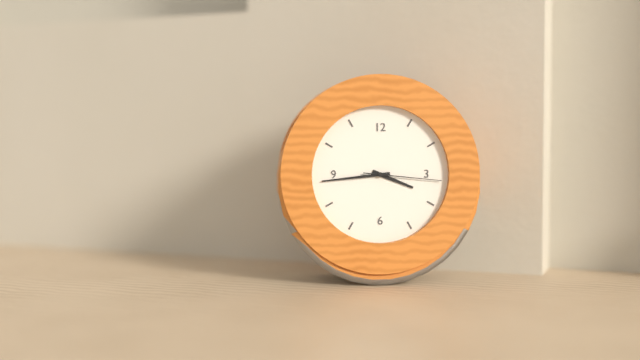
3h44m16s
